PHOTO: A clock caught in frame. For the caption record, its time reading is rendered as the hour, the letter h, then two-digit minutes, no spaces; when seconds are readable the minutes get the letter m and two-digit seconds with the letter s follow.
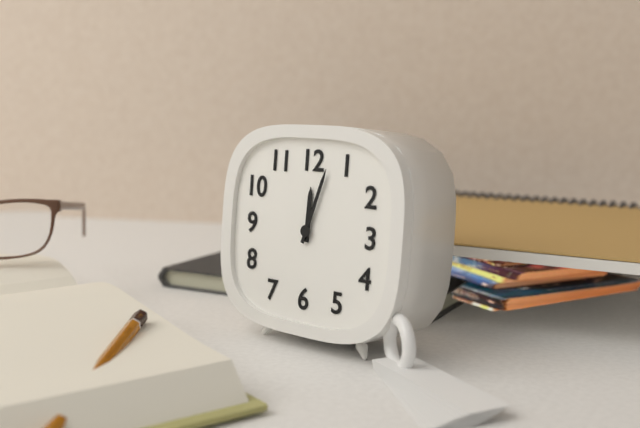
12h03
